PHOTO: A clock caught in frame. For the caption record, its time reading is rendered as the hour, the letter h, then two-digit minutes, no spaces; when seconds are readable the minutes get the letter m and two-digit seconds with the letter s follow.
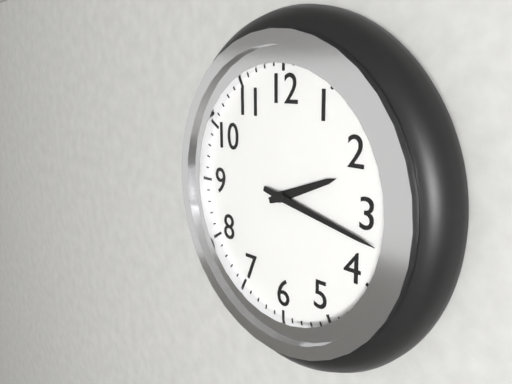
2h17
